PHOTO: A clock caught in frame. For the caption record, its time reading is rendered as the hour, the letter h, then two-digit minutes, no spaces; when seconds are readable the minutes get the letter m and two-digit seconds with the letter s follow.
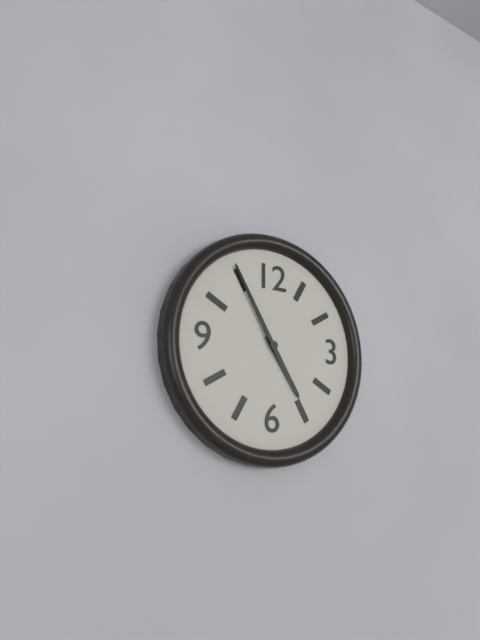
4h55
